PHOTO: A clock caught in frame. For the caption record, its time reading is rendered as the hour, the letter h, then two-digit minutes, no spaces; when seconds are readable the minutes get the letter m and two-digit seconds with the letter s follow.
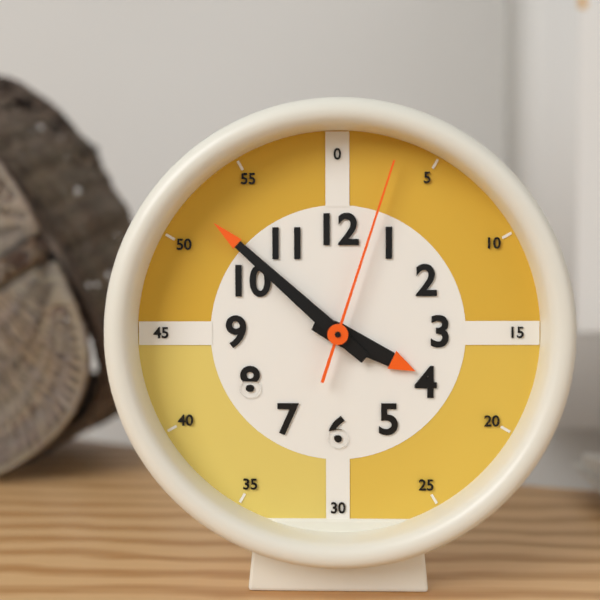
3h52m03s
